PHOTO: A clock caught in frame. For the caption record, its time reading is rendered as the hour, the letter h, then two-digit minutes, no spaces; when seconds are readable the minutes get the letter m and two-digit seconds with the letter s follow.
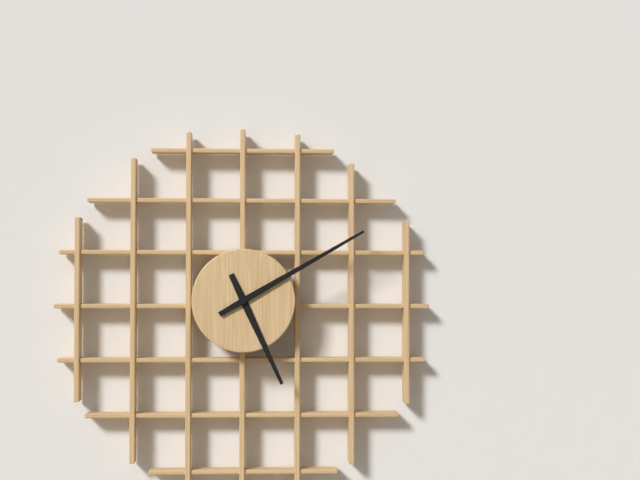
5h10
